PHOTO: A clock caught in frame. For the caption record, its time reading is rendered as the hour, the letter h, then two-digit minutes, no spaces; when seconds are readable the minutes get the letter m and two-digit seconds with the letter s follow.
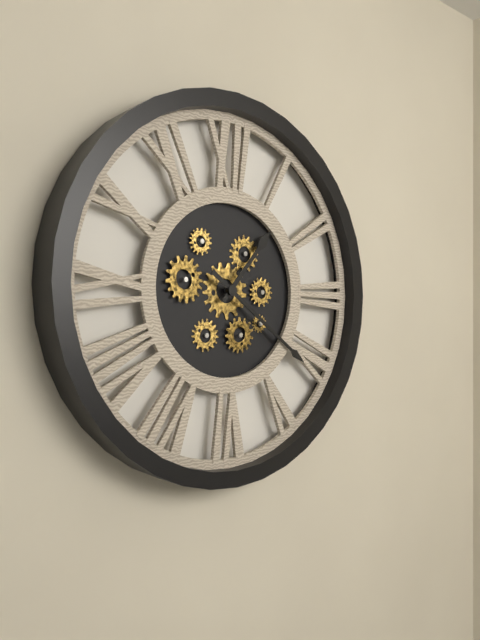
1h21
